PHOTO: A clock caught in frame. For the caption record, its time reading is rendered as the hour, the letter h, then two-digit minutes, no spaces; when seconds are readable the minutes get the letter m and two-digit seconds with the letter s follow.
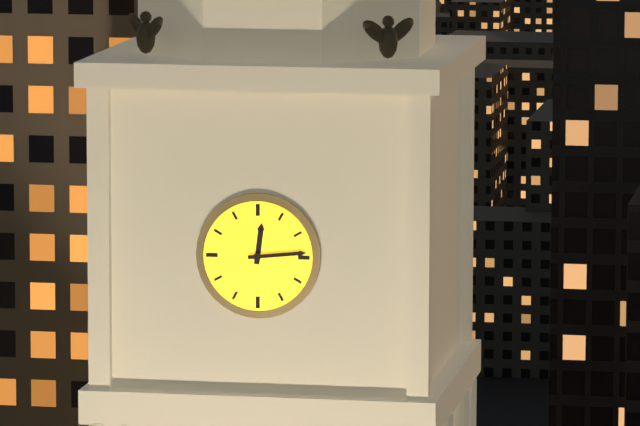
12h14
